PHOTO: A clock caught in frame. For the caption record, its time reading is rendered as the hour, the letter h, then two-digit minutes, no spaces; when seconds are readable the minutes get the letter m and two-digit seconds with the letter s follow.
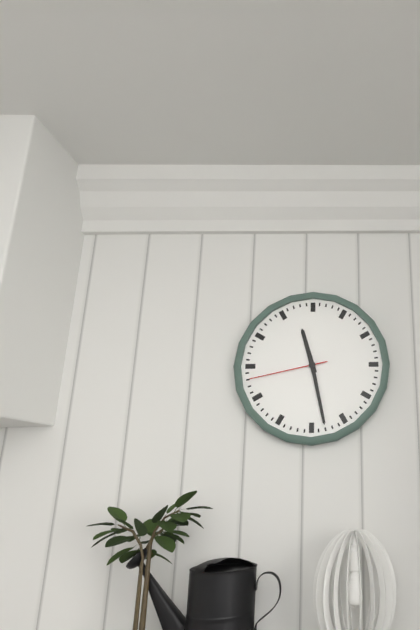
11h28m43s
